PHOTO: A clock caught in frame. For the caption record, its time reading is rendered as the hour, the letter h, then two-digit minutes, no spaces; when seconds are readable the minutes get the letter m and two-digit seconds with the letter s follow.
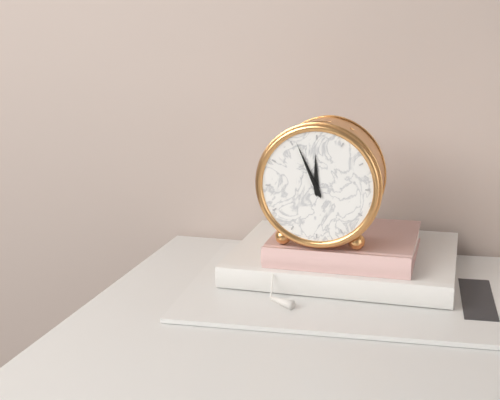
11h56
